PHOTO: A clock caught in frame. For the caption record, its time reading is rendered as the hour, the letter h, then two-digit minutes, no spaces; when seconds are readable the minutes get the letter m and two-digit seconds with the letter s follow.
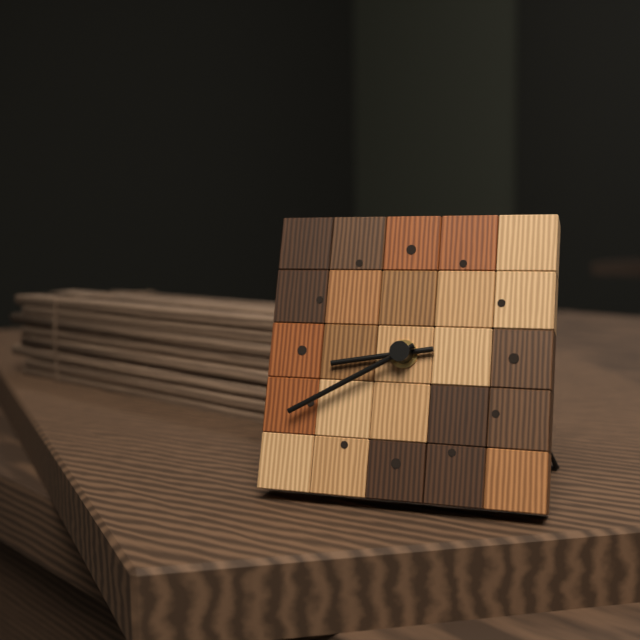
8h40
